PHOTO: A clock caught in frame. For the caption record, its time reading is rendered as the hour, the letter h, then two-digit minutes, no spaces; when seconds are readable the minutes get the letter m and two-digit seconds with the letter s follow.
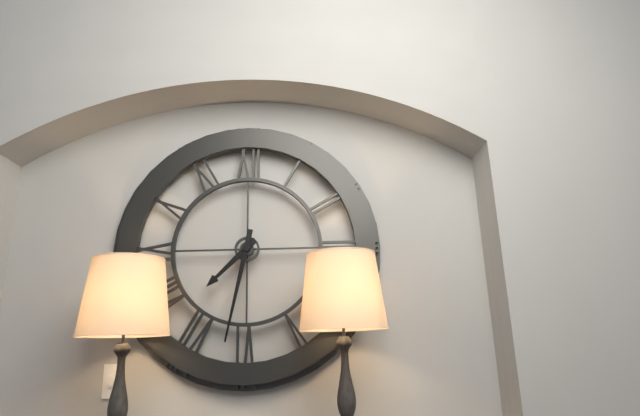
7h32
